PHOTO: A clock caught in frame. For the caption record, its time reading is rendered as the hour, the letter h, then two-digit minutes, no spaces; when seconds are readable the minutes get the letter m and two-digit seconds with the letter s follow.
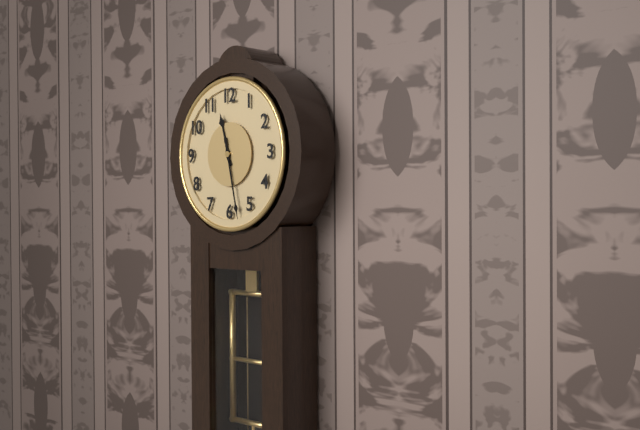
11h28
